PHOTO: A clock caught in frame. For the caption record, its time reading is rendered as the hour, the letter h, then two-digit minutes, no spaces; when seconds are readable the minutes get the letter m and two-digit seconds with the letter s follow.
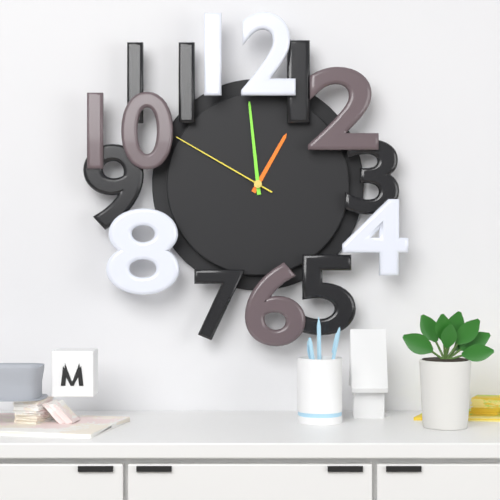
12h59m50s
